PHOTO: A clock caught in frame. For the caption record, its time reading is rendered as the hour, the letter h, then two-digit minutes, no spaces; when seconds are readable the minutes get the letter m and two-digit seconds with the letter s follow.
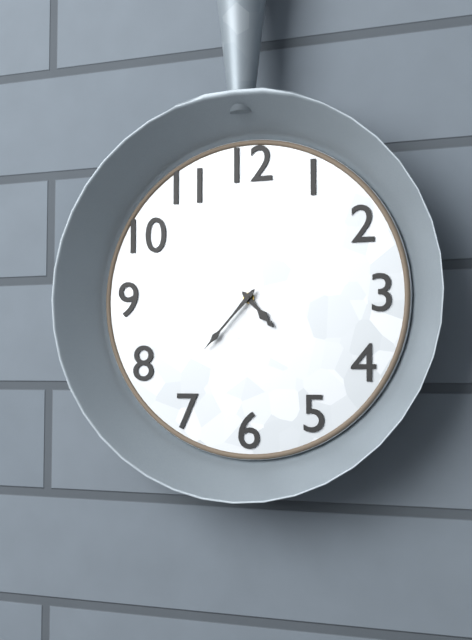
4h37
